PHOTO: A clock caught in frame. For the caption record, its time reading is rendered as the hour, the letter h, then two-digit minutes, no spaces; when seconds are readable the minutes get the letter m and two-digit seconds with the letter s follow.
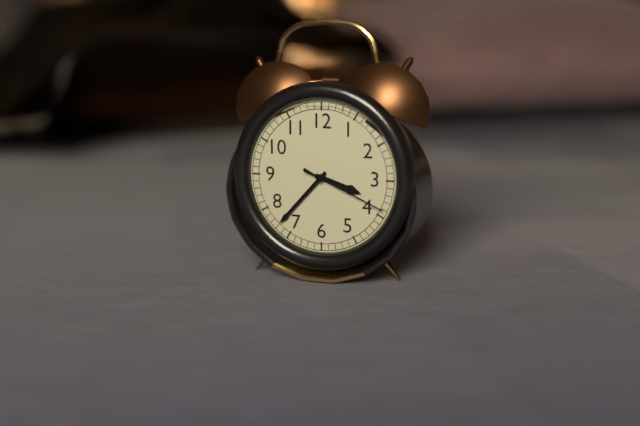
3h37m19s
